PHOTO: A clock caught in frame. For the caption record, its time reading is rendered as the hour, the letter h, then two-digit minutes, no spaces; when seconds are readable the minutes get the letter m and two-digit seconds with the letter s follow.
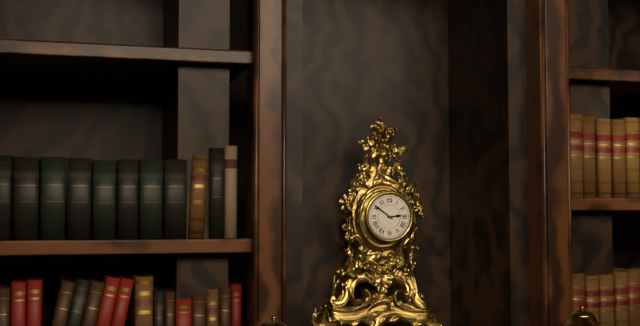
2h51
